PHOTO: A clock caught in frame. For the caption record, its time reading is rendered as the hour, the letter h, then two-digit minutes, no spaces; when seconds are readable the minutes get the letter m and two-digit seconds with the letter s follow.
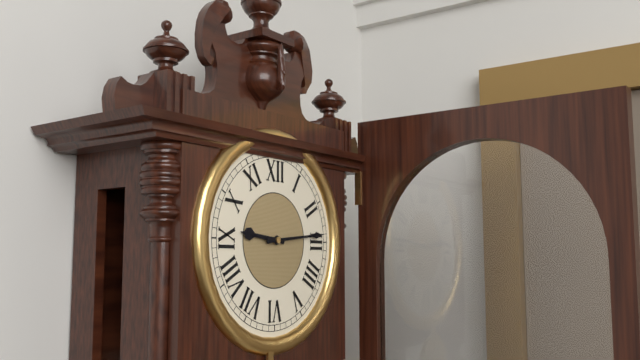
9h14
